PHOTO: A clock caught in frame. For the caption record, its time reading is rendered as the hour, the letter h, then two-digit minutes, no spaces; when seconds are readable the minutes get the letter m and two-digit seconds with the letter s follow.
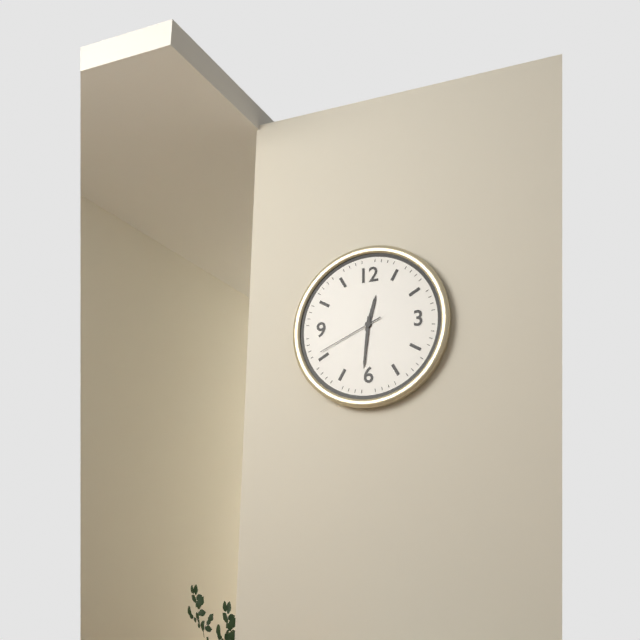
12h31m41s
